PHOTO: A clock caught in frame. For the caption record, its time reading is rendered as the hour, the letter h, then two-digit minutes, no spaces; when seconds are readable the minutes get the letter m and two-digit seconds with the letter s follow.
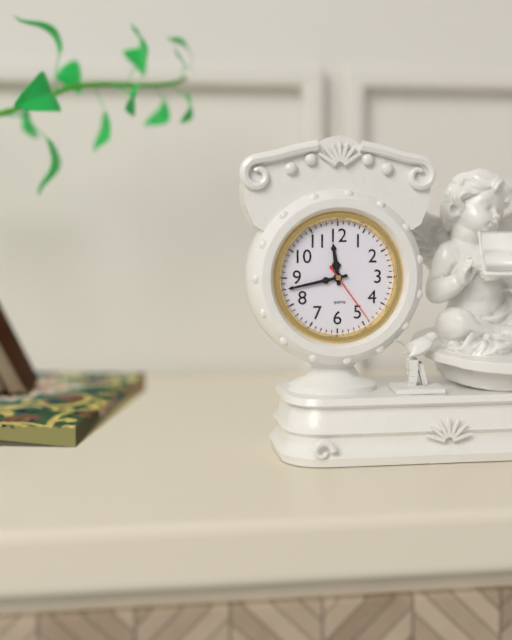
11h43m24s
